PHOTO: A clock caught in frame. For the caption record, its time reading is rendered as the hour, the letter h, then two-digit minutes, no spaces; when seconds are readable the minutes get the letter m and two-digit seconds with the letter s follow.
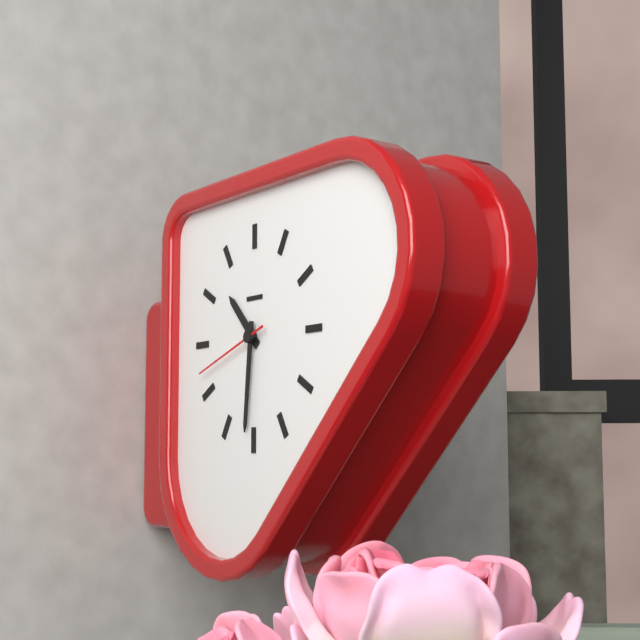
10h31m42s
